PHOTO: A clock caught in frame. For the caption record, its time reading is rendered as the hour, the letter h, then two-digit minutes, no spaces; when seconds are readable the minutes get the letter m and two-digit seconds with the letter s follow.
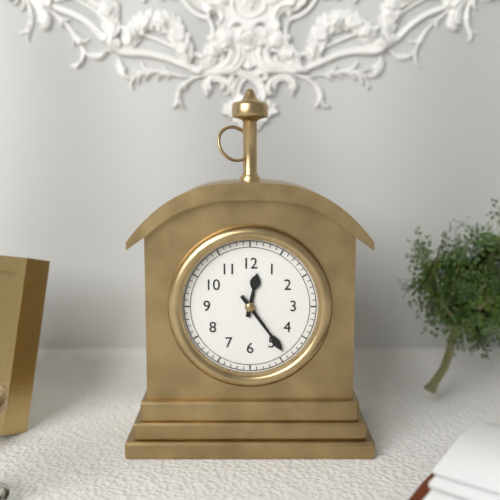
12h24
